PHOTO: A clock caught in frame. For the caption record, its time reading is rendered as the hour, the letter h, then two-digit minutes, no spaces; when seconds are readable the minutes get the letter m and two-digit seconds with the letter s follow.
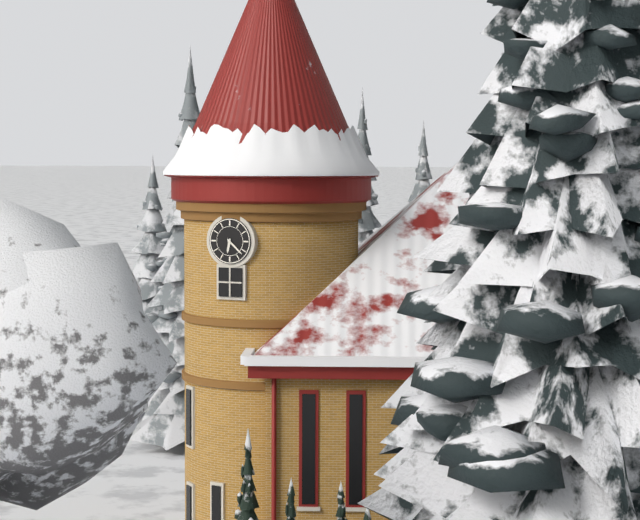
6h22
